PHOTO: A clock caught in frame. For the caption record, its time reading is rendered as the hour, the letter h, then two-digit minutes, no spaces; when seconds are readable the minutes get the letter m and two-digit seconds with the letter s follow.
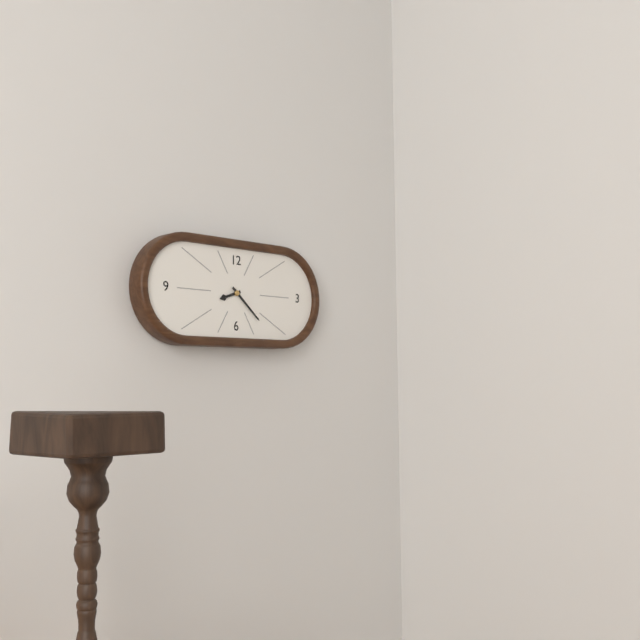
8h22
